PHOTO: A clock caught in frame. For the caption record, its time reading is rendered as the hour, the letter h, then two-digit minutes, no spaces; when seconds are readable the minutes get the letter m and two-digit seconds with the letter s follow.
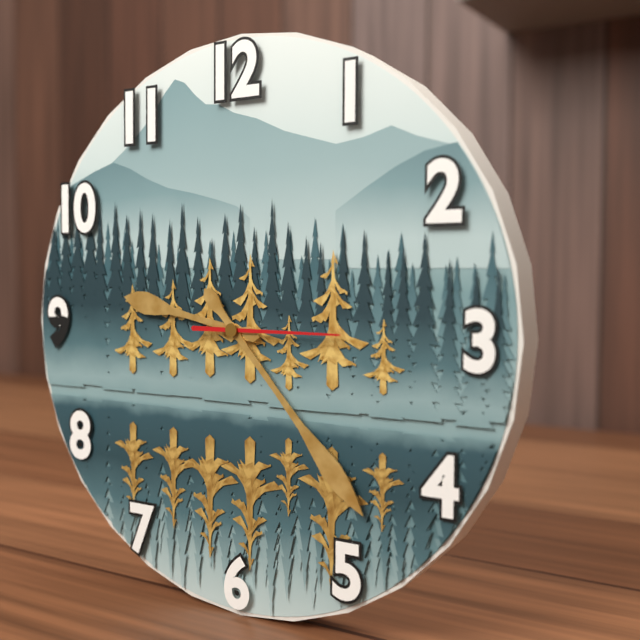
9h23m15s
